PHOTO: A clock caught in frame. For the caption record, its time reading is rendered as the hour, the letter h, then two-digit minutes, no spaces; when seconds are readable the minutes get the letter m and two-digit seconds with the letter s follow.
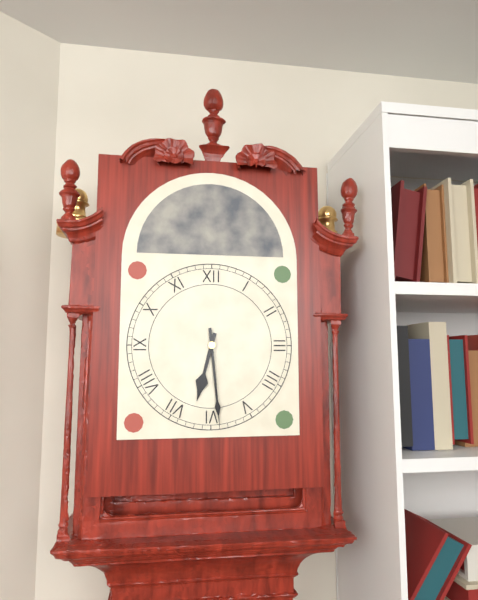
6h29
